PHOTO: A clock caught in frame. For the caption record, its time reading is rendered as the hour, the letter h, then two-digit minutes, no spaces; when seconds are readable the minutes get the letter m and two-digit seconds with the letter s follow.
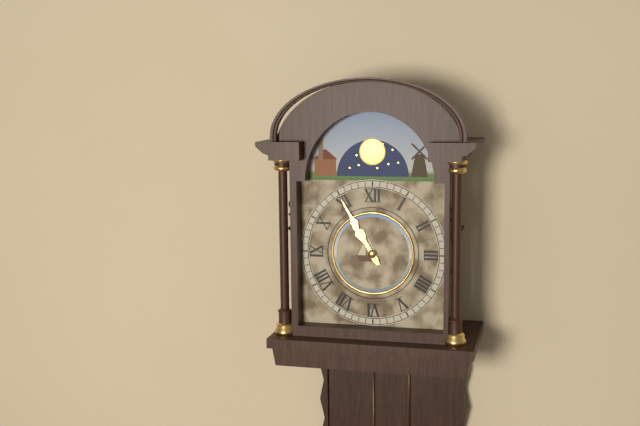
10h55
